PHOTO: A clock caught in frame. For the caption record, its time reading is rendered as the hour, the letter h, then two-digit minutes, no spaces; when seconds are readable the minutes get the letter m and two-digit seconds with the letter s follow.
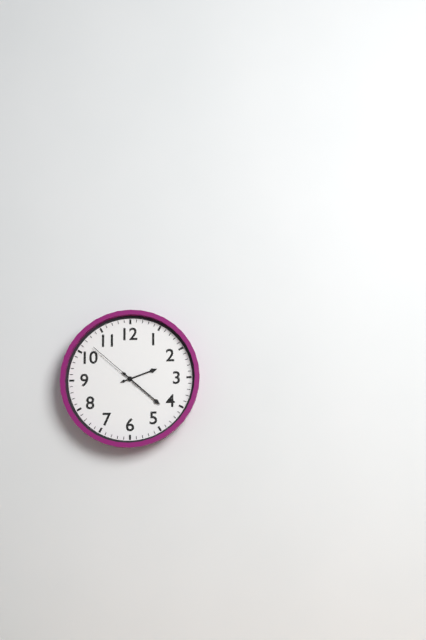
2h22m52s
